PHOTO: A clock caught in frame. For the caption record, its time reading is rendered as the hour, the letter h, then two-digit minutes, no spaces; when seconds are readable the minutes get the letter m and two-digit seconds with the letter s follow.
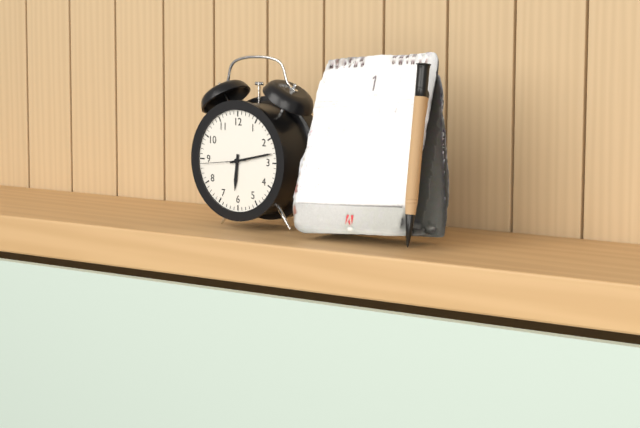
6h13
